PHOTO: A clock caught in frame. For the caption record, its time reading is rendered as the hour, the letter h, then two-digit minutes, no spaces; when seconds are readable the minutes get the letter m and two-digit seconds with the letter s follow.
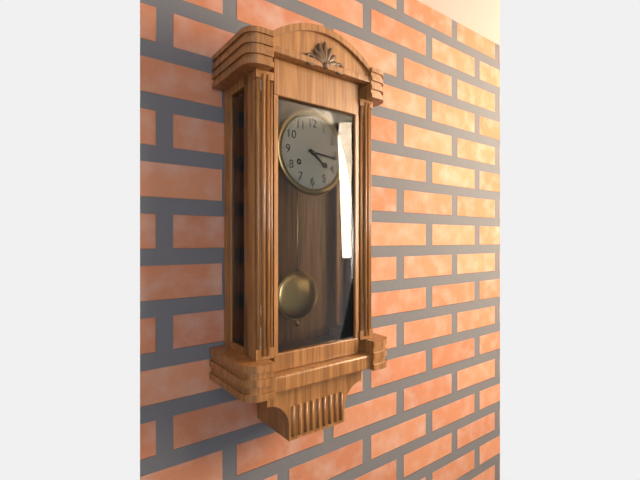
4h16
